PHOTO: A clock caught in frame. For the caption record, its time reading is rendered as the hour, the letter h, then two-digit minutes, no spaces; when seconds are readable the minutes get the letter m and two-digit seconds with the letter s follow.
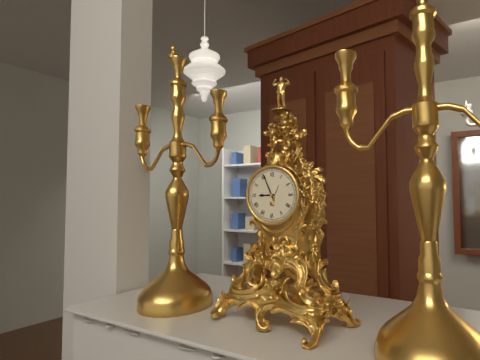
8h56
